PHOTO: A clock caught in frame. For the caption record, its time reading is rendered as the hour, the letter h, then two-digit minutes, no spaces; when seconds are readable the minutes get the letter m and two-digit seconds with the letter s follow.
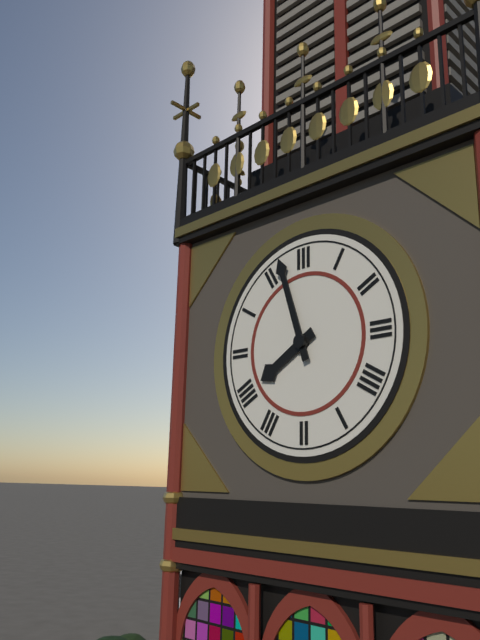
7h57
